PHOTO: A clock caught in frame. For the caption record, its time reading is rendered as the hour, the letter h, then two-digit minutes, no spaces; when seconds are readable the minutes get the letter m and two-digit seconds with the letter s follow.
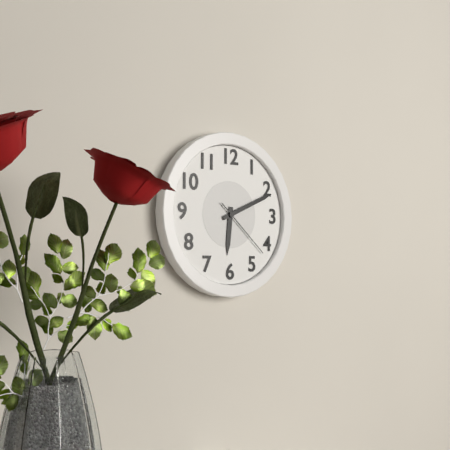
6h11m22s
